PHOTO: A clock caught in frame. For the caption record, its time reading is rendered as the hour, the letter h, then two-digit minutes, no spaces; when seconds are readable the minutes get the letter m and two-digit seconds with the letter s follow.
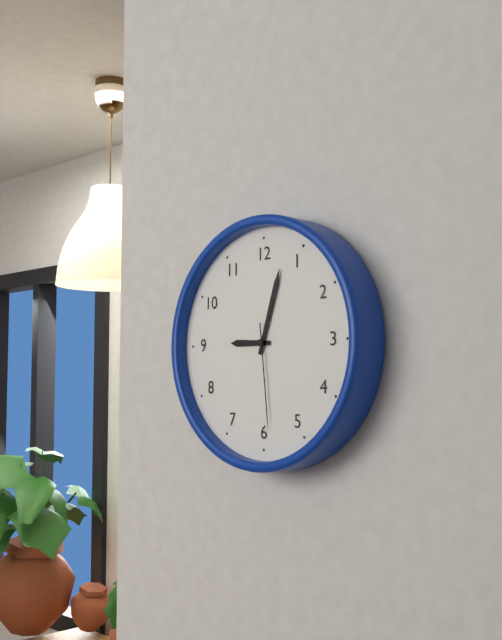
9h03m29s
